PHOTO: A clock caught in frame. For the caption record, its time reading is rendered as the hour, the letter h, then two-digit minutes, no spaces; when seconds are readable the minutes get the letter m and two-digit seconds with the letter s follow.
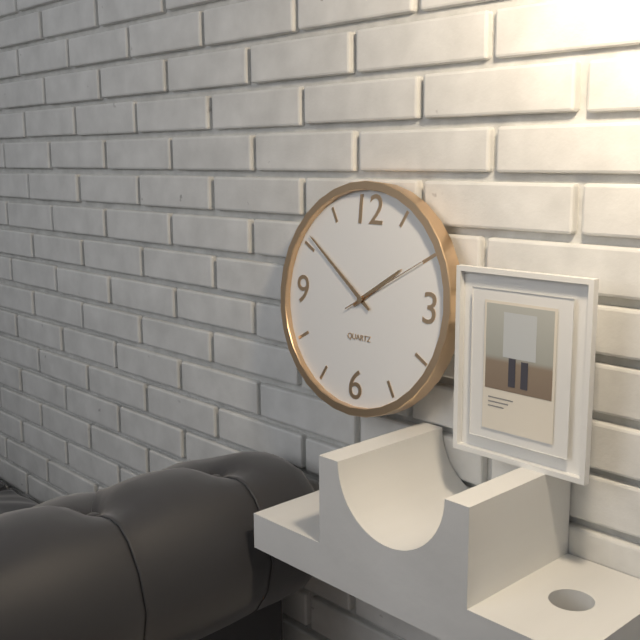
1h51m10s
